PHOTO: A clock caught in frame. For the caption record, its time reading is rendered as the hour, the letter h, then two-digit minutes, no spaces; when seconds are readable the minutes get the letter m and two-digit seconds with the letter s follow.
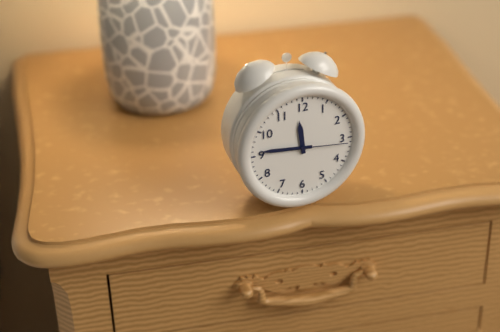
11h46m16s
